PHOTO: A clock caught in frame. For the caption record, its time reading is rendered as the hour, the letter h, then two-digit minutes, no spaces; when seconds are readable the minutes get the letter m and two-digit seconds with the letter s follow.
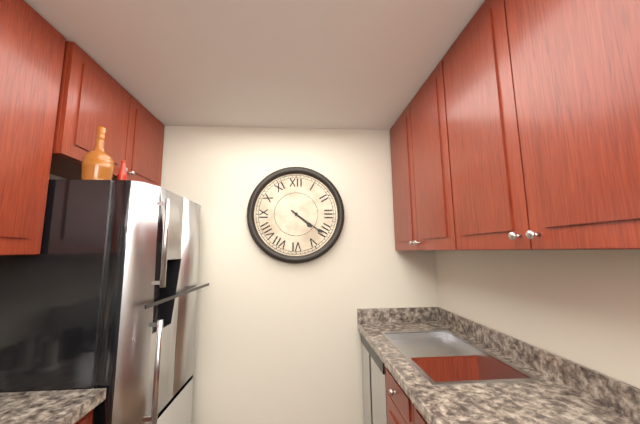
4h21
